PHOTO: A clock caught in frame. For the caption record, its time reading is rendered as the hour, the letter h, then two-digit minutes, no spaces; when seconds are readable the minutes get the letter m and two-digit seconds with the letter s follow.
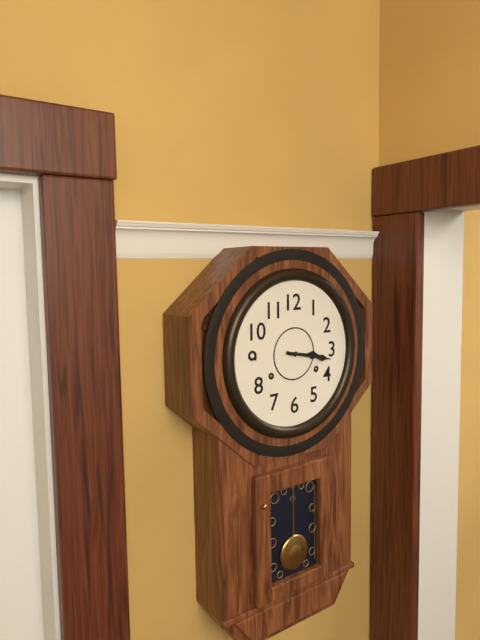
3h17
